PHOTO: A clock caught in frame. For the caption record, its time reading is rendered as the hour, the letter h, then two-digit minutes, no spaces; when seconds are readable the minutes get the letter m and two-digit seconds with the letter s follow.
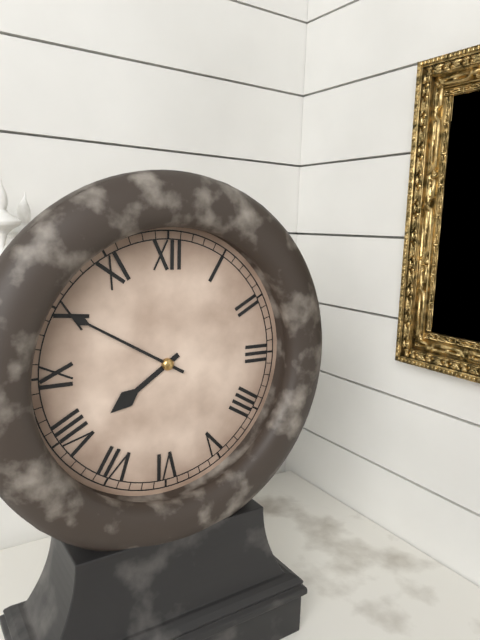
7h50
